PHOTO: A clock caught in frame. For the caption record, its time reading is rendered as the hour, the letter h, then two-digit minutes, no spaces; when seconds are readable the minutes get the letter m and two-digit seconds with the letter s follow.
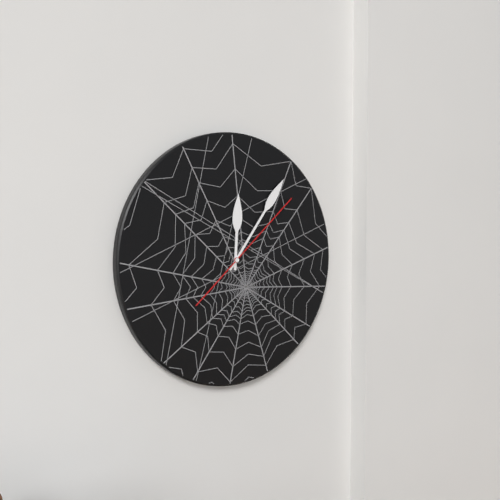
12h06m08s
